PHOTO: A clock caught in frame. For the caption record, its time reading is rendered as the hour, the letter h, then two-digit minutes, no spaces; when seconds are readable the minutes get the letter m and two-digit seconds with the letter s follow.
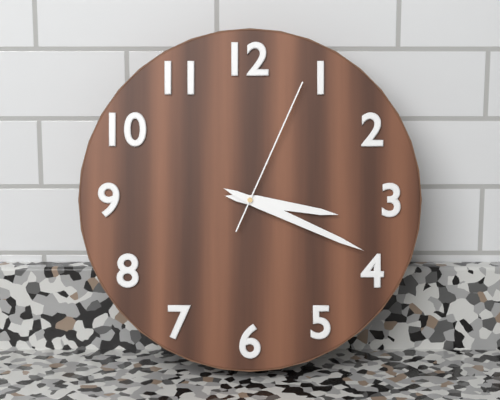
3h19m04s
